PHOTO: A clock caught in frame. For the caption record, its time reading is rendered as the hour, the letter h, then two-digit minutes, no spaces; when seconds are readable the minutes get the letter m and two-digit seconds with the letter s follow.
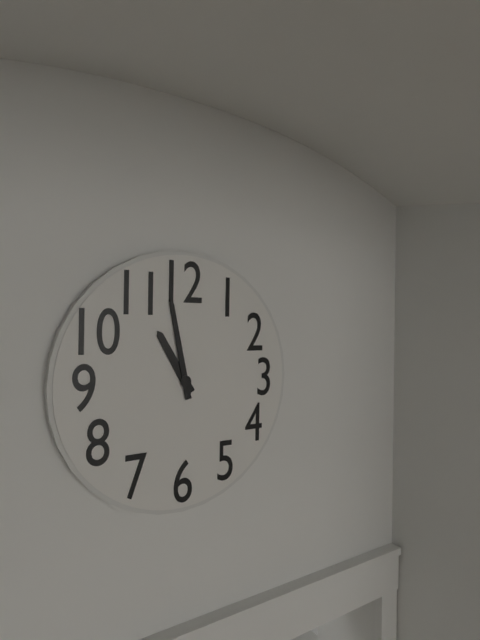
10h58
